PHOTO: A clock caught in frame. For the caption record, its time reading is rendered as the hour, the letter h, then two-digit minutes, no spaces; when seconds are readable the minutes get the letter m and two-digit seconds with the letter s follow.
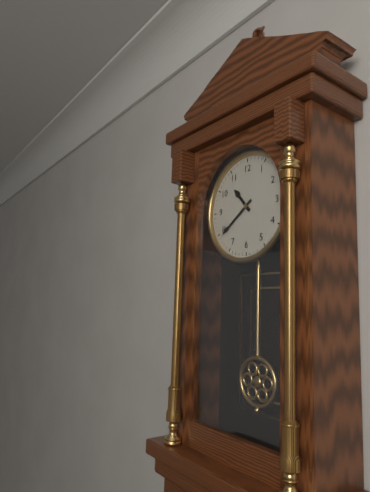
10h39
